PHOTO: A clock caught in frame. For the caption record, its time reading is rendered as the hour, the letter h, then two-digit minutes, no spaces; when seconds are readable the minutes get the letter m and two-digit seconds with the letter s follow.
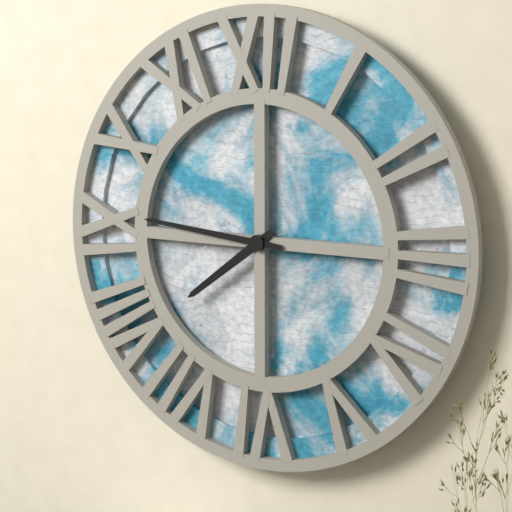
7h46
